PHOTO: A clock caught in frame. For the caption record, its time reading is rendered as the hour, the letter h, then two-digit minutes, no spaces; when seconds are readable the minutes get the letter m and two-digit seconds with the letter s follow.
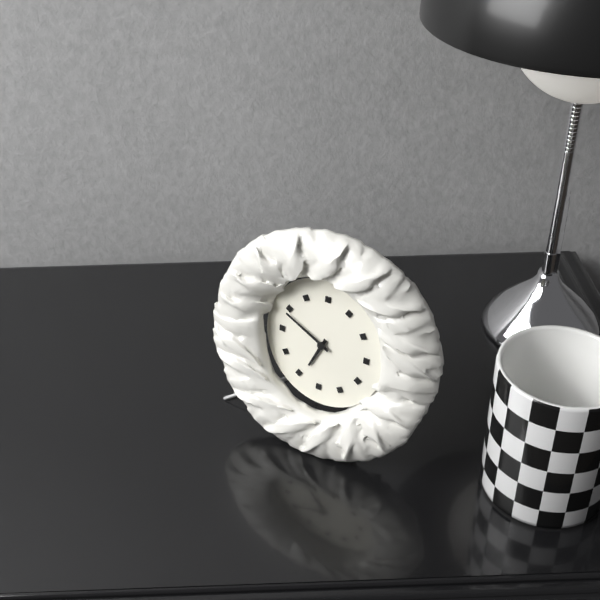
6h49
